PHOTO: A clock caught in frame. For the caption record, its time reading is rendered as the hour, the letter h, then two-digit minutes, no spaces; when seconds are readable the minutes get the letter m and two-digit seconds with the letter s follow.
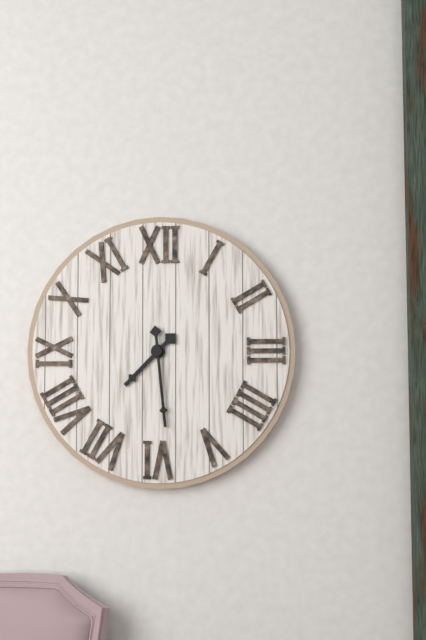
7h29
